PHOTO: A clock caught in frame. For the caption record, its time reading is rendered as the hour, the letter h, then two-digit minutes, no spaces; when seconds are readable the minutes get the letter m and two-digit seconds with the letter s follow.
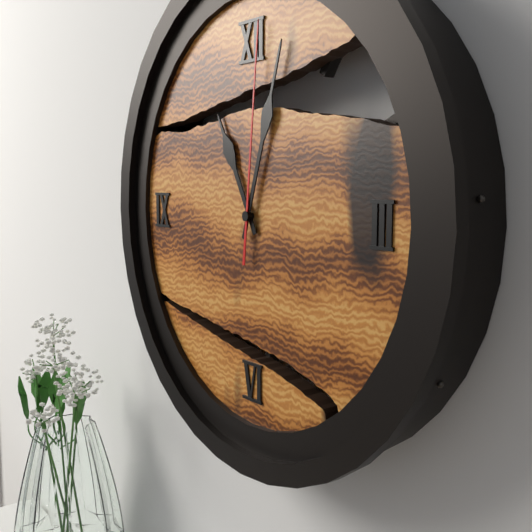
11h03m01s
